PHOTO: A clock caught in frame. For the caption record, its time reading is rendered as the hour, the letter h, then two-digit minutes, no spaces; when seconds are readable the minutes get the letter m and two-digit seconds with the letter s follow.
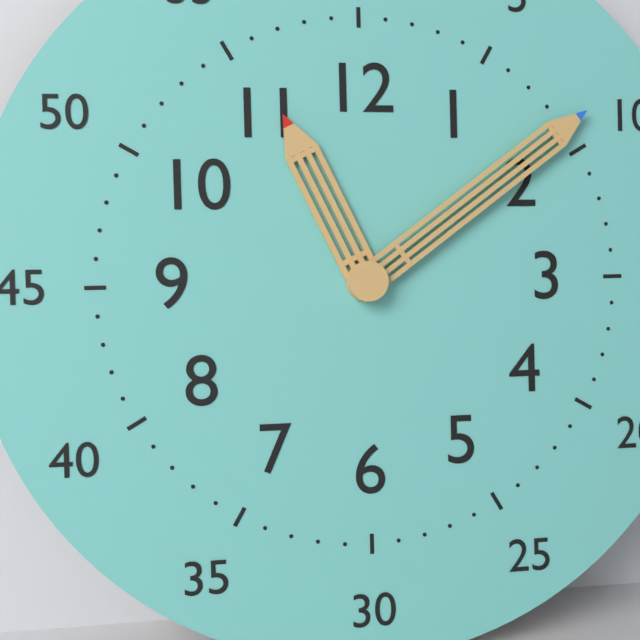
11h09
